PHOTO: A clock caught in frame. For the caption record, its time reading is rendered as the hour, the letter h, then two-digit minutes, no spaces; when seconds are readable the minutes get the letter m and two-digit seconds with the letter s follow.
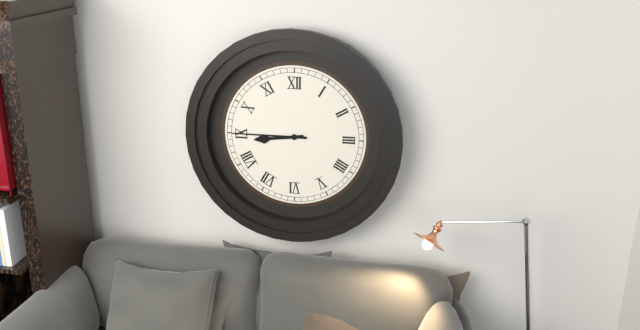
8h45
